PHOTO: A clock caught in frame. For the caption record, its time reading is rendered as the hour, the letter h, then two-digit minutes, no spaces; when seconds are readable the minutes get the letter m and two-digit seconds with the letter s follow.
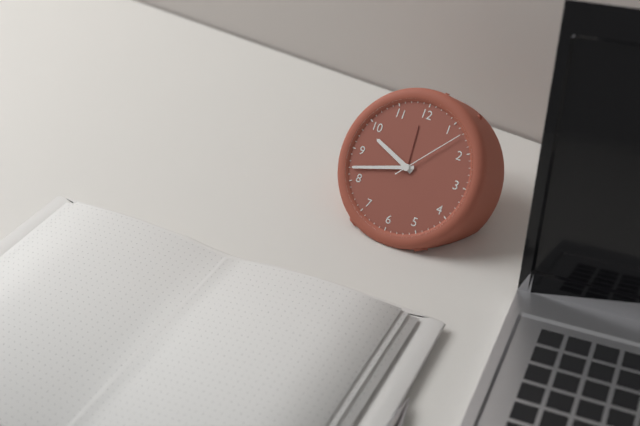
9h42m07s
